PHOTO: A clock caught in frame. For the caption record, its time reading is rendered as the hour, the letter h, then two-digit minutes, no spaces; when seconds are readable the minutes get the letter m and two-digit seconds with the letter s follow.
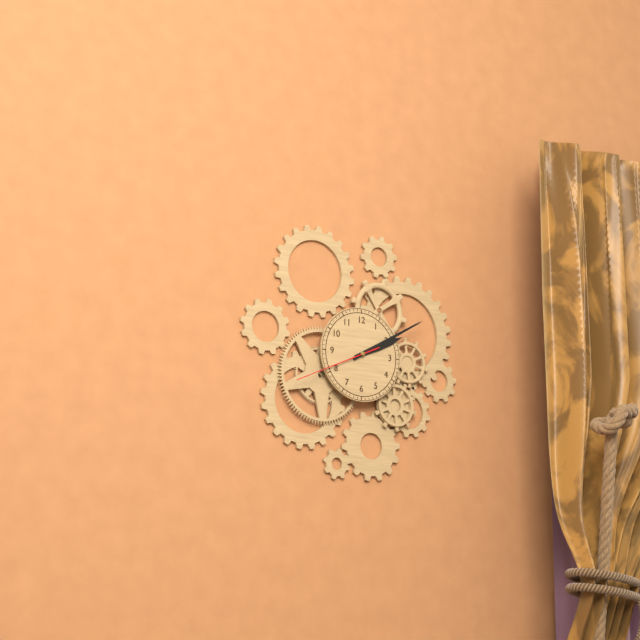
2h10m41s
